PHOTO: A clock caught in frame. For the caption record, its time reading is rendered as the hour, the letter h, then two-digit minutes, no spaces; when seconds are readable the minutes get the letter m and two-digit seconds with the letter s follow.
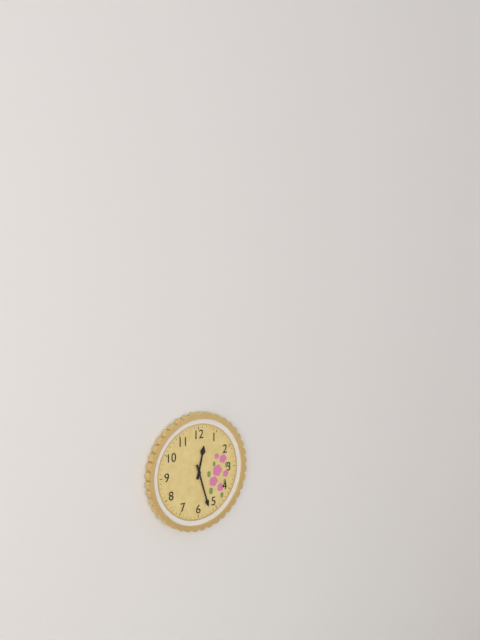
12h27
